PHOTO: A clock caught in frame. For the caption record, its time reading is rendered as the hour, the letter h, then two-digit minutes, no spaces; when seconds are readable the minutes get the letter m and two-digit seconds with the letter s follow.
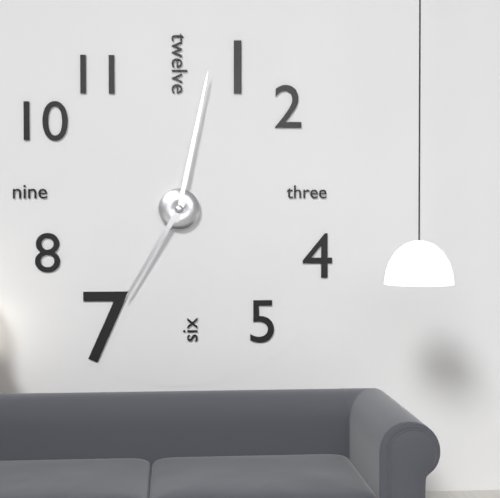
7h02
